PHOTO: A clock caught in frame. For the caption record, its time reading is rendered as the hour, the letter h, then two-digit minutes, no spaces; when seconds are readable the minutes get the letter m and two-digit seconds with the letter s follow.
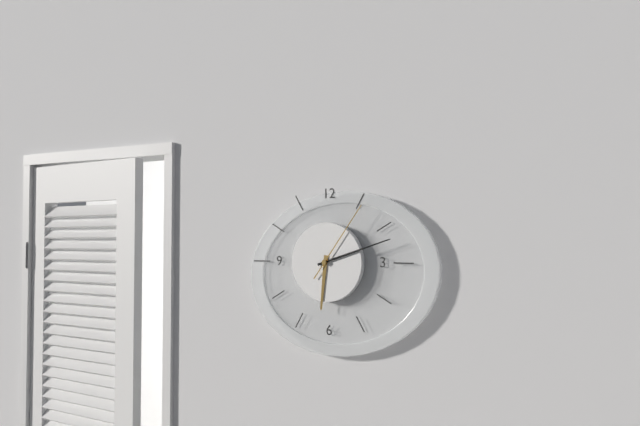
6h12m06s
